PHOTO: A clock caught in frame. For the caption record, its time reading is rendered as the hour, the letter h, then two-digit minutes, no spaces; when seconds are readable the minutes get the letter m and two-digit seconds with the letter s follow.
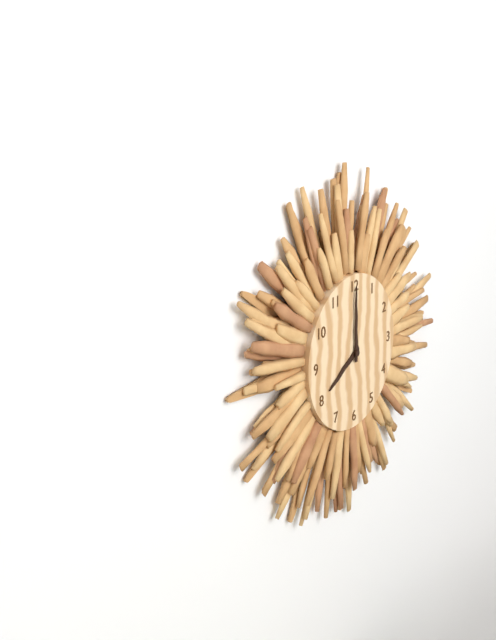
8h00
